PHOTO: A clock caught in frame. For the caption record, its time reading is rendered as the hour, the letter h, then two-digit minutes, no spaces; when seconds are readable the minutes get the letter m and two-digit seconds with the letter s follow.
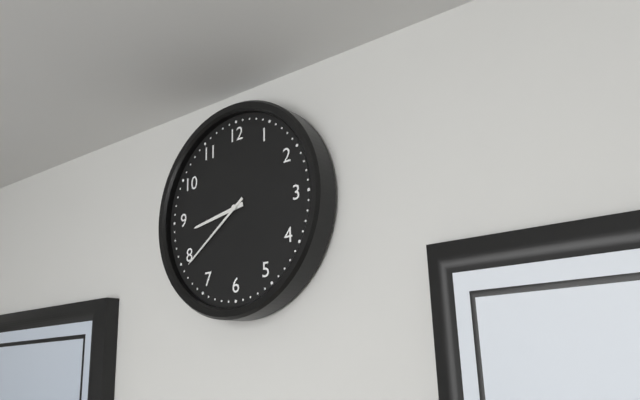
8h39
